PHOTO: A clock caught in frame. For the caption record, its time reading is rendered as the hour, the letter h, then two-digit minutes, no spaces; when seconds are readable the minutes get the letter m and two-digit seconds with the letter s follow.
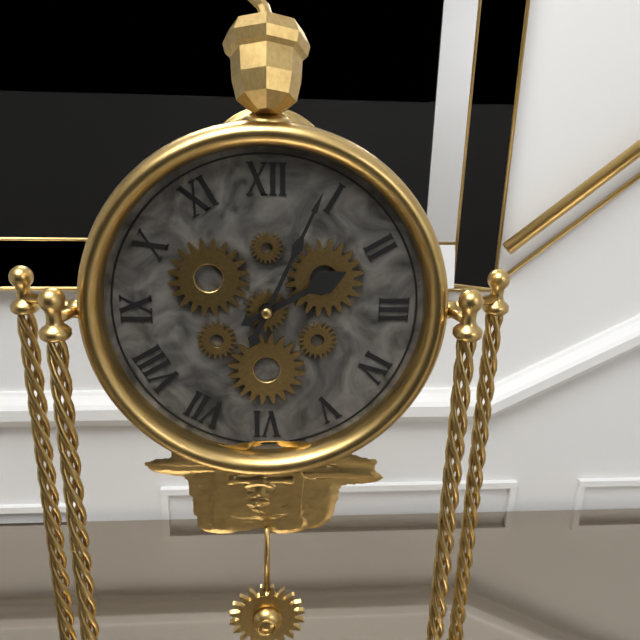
2h04
